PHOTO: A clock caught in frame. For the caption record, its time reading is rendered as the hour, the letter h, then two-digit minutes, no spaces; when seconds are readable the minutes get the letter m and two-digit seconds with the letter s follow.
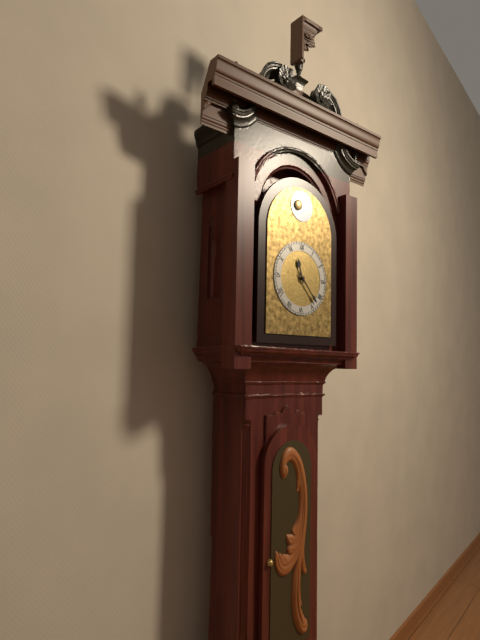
11h23
